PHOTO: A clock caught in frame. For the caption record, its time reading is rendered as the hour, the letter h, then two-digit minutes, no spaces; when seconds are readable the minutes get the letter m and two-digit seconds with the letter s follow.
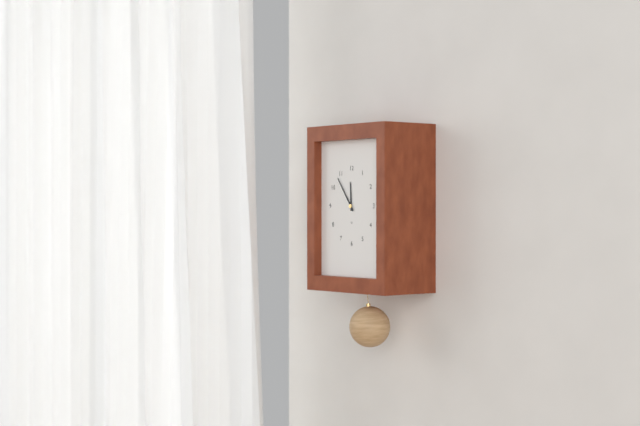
11h54
